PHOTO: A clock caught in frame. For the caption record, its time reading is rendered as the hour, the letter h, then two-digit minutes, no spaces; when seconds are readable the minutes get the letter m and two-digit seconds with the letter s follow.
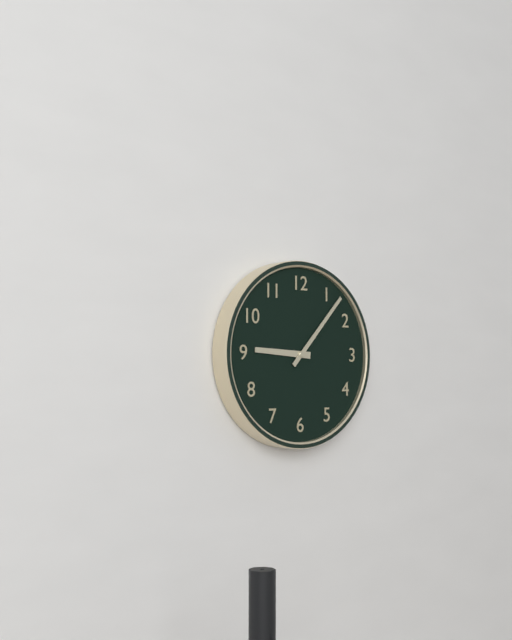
9h07
